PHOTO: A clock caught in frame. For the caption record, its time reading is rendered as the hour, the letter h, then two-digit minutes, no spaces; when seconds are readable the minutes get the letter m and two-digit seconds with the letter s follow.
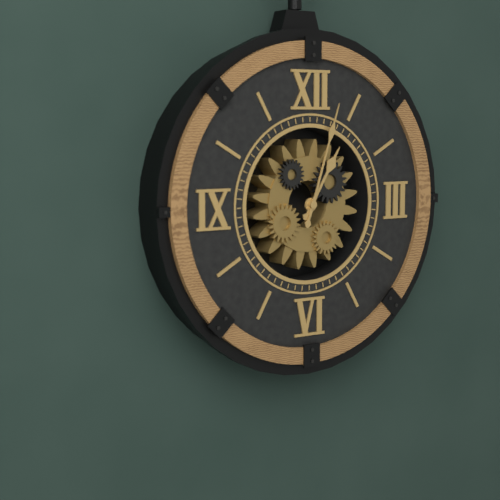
1h03
